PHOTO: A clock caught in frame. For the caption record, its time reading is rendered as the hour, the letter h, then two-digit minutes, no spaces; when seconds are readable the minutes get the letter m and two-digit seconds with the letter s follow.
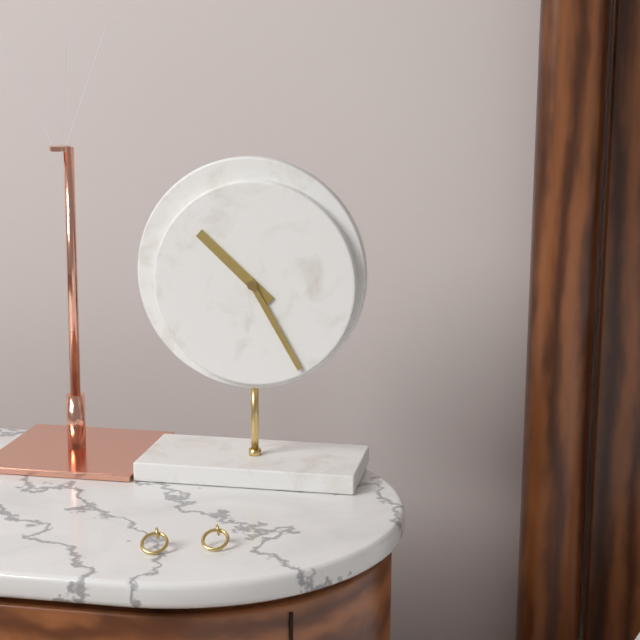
10h25
